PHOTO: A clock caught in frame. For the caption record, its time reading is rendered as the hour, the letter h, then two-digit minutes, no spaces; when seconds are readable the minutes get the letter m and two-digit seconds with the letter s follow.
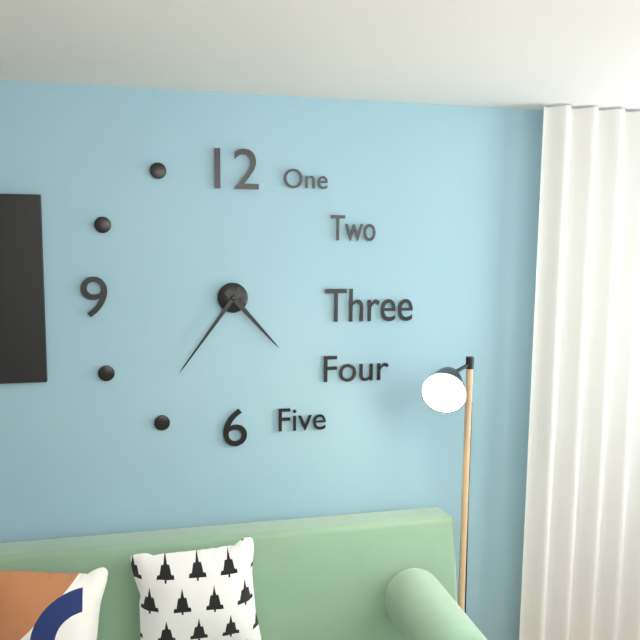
4h36
